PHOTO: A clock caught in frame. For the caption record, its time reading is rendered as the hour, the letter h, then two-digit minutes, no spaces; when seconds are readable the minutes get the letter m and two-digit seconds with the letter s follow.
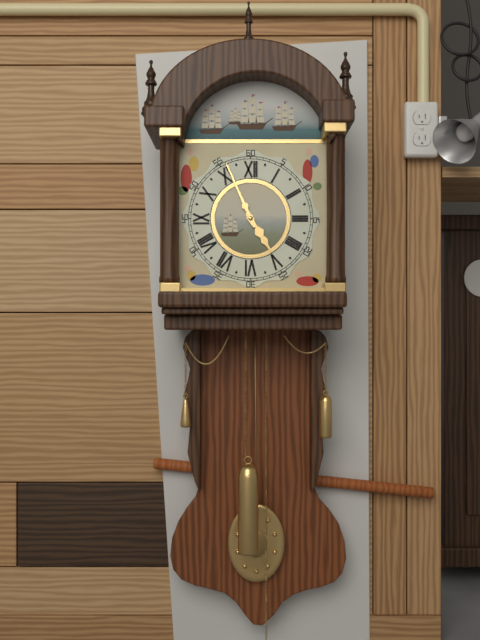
4h56
